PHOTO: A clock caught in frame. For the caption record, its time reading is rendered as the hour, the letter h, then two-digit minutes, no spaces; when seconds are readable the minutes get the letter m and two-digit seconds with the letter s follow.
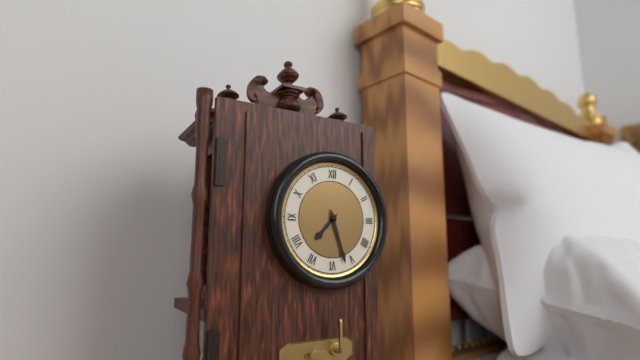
7h27
